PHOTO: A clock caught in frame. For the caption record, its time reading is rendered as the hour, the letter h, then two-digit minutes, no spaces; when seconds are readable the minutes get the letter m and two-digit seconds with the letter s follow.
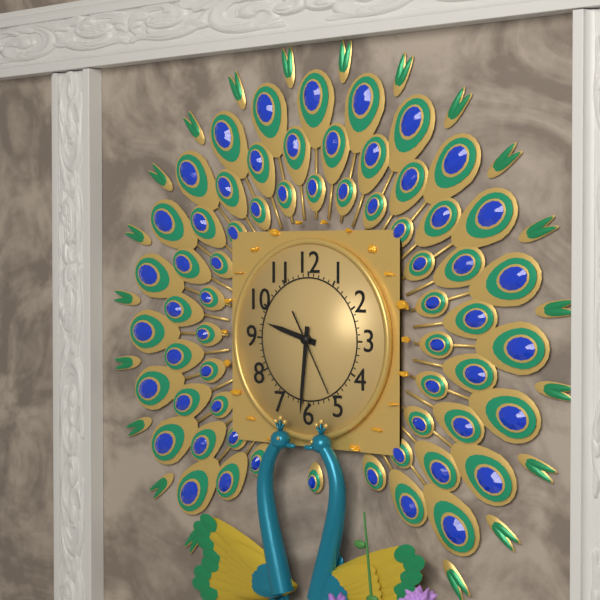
9h31m25s
